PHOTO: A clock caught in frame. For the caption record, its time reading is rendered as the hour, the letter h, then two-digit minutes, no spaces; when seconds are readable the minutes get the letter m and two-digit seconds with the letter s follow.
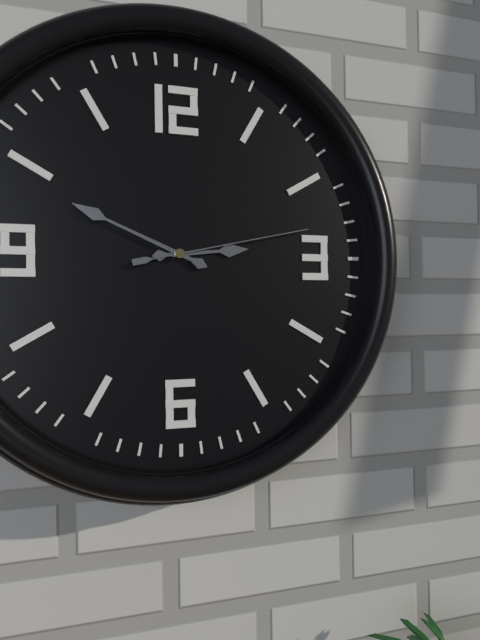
2h49m13s
